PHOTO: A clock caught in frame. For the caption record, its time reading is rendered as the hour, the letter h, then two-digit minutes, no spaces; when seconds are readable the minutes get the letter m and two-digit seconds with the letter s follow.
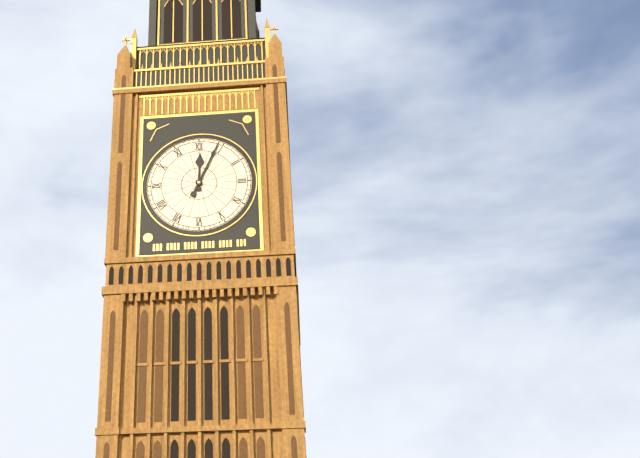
12h04
